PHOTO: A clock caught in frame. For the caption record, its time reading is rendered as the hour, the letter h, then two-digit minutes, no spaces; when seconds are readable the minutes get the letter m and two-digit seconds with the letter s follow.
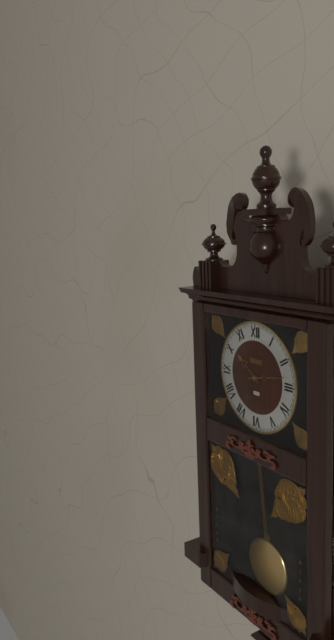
10h13
